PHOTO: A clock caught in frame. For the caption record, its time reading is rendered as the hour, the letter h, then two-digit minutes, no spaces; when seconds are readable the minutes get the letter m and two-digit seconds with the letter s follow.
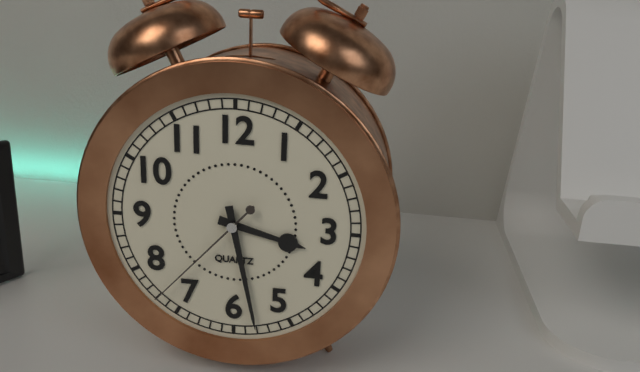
3h28m37s
